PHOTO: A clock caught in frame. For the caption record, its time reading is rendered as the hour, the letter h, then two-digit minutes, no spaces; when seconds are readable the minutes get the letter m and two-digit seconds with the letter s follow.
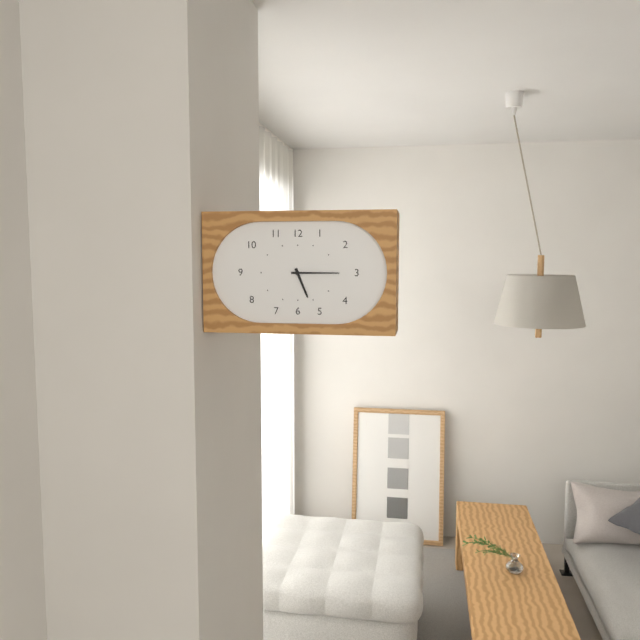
5h15
